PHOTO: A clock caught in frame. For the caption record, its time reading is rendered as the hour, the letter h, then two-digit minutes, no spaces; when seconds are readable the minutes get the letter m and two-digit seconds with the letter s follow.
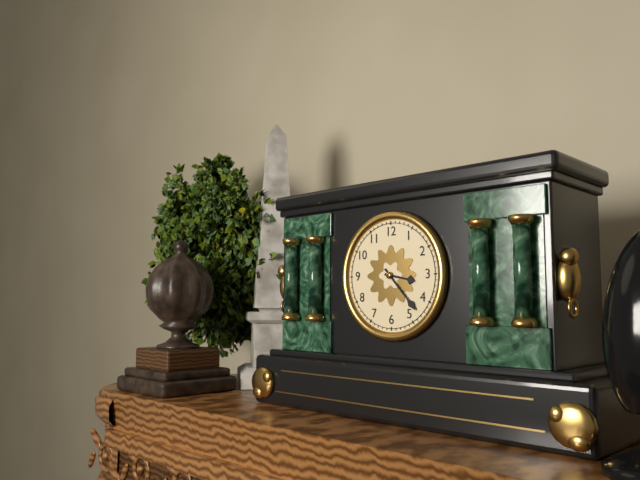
3h23
